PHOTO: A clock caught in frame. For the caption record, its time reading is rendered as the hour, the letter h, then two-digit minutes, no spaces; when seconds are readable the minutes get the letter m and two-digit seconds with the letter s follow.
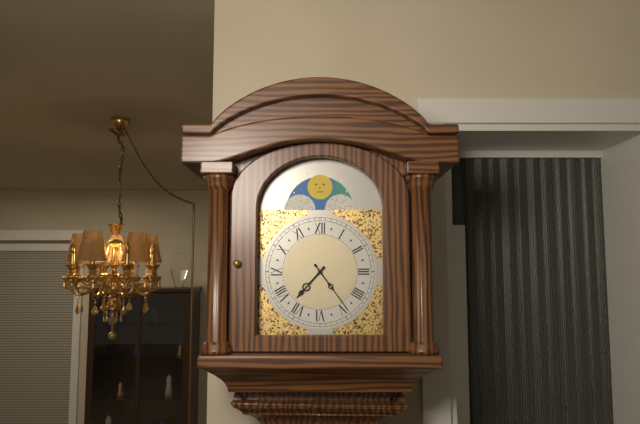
7h24
